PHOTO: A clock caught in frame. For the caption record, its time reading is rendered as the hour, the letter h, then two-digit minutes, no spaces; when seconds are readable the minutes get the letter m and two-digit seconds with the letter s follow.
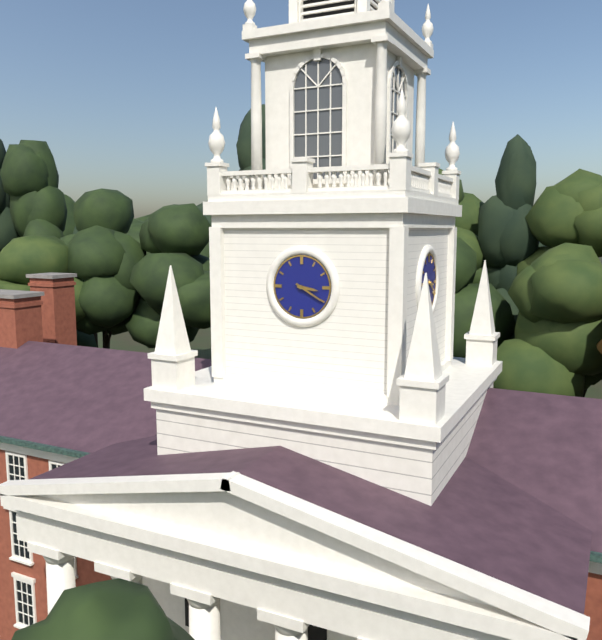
3h20
